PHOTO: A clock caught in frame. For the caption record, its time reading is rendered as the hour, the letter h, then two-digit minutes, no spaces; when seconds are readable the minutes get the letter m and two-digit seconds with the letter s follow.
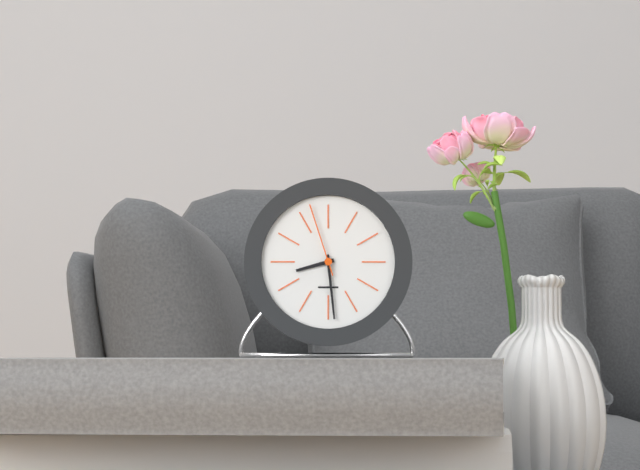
8h29m57s
